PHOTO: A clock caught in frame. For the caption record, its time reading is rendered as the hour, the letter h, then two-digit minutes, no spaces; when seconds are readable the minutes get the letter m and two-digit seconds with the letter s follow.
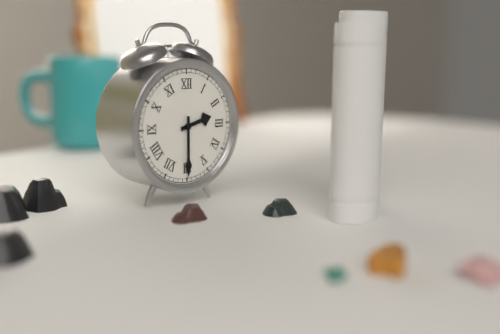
2h30
